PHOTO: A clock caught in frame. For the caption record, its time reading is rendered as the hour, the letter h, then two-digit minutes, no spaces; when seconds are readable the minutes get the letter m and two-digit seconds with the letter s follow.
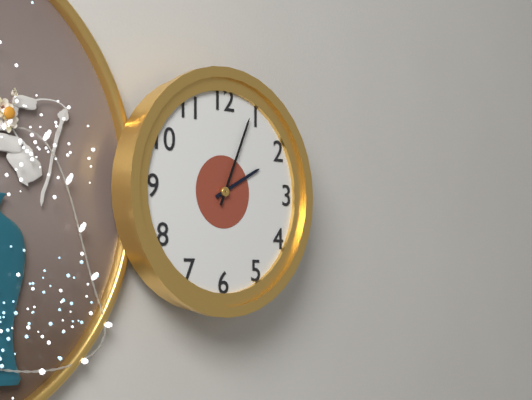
2h04
